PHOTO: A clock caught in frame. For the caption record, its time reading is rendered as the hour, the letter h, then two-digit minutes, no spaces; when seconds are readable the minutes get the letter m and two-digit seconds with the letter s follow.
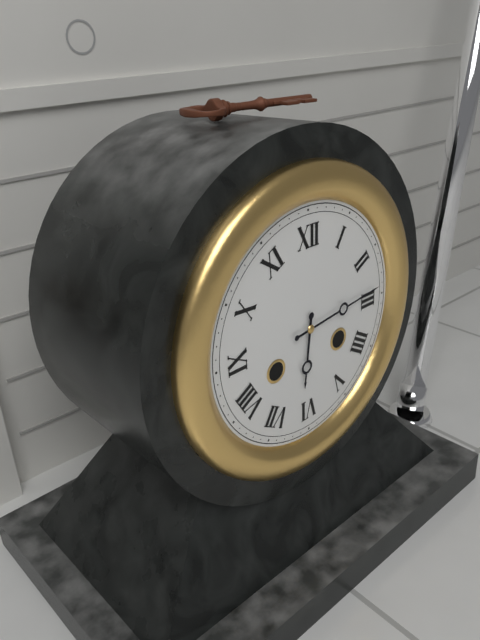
6h14
